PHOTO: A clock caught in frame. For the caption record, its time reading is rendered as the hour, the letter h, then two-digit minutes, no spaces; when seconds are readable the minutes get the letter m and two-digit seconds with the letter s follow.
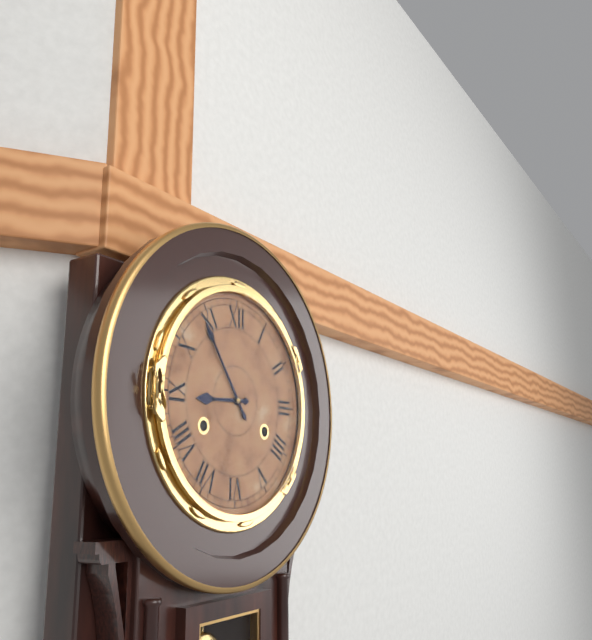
8h54
